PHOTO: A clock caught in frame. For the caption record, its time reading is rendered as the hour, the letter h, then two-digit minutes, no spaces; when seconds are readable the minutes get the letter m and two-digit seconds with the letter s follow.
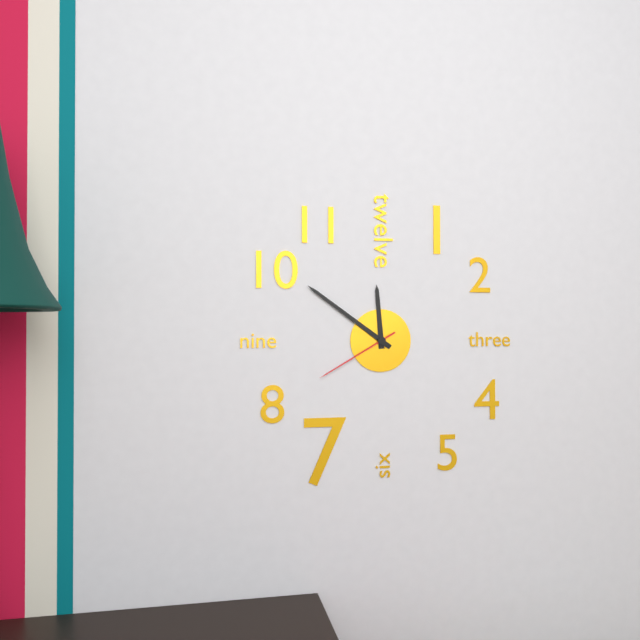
11h51m40s
